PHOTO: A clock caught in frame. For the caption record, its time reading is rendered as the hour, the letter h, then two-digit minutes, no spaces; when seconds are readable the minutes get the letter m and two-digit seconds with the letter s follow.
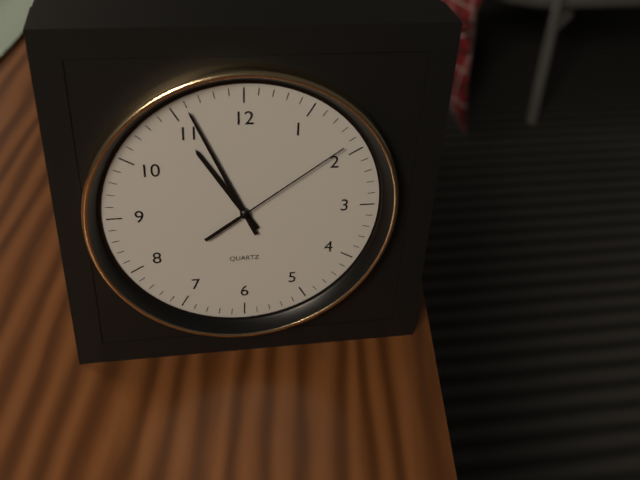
10h56m09s
